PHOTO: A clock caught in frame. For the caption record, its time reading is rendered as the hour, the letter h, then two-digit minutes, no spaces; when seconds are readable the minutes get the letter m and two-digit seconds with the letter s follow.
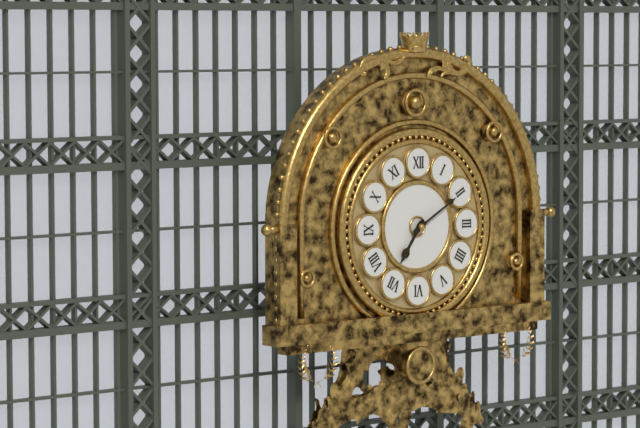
7h10
